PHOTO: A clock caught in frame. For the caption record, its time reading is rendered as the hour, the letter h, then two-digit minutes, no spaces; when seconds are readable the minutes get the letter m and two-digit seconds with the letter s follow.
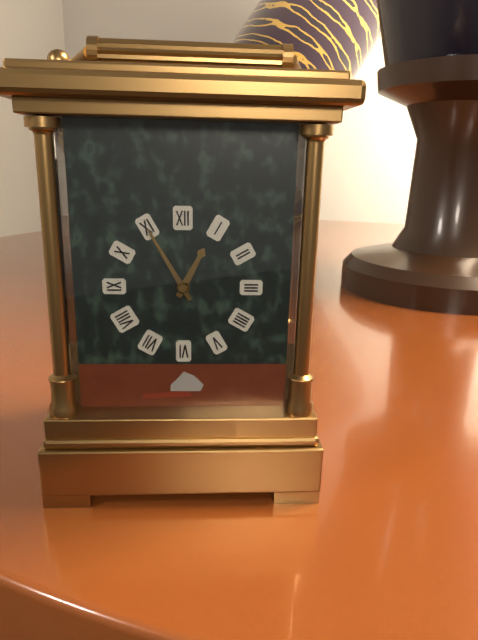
12h55
